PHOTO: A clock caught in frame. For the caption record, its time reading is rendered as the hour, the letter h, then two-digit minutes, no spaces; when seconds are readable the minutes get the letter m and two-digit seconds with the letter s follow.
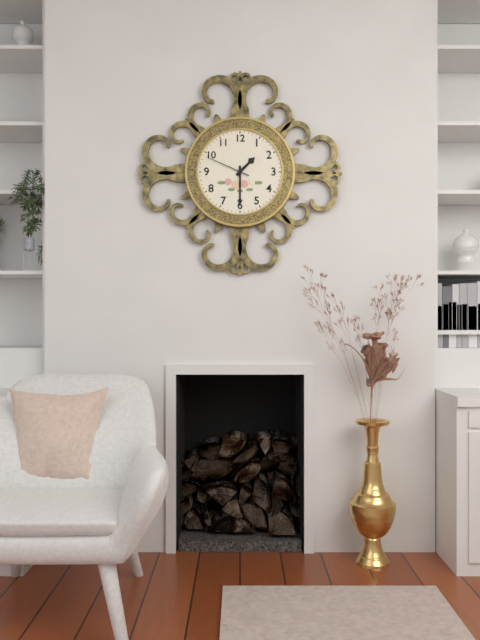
1h30
